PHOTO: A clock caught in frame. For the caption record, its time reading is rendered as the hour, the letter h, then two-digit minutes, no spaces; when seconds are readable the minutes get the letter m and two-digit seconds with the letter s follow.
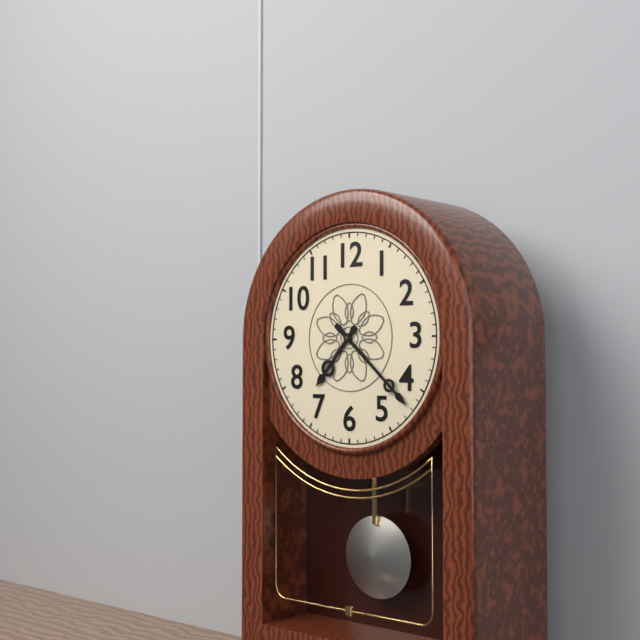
7h22
